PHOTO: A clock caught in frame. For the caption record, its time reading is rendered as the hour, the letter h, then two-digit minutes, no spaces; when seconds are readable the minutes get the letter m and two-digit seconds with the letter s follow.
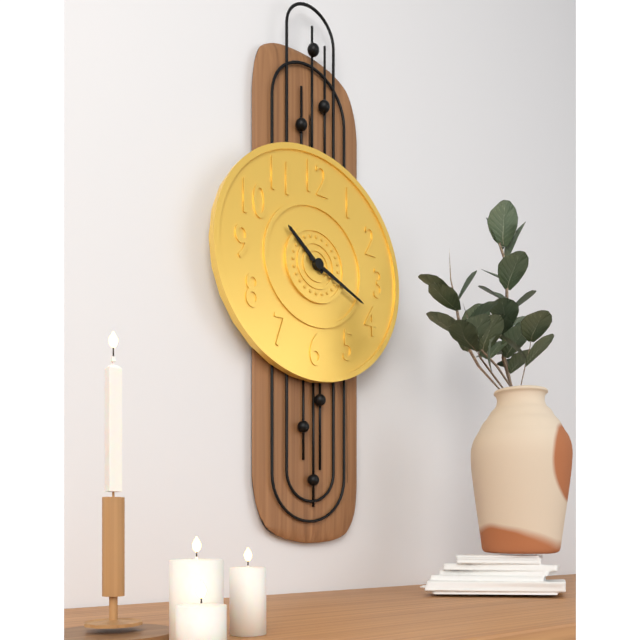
10h19
